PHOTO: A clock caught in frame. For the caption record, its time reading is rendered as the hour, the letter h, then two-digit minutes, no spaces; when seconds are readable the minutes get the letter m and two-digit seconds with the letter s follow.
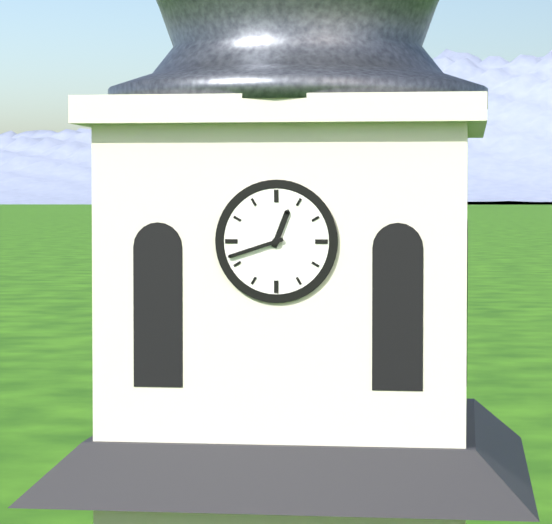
12h42
